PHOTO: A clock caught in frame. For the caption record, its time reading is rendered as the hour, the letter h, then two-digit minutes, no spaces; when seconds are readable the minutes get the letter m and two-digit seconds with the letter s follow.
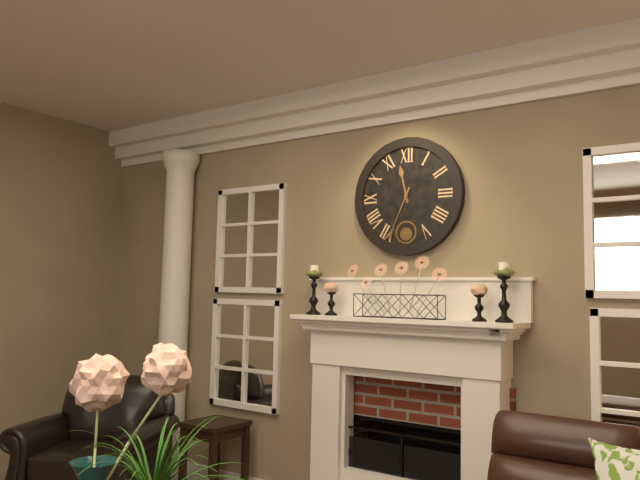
11h34
